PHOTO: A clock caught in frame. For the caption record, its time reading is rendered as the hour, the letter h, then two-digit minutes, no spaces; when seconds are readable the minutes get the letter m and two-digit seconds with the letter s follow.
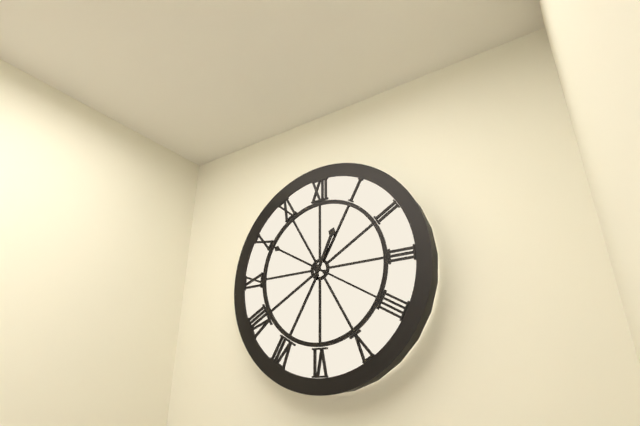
12h50
